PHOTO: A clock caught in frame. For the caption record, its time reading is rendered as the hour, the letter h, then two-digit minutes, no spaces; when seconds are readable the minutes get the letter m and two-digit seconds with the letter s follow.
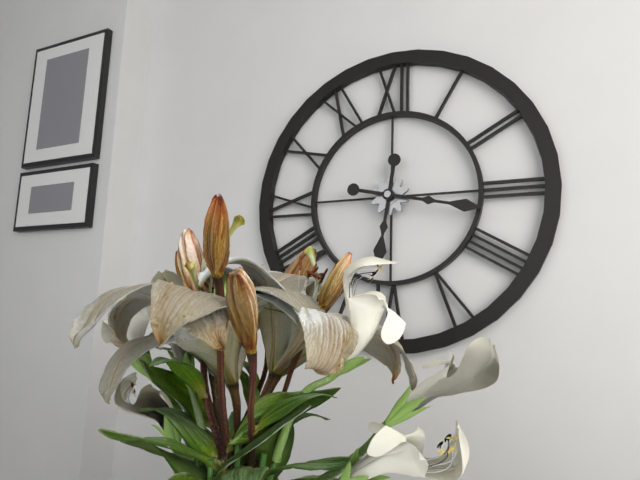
6h17
